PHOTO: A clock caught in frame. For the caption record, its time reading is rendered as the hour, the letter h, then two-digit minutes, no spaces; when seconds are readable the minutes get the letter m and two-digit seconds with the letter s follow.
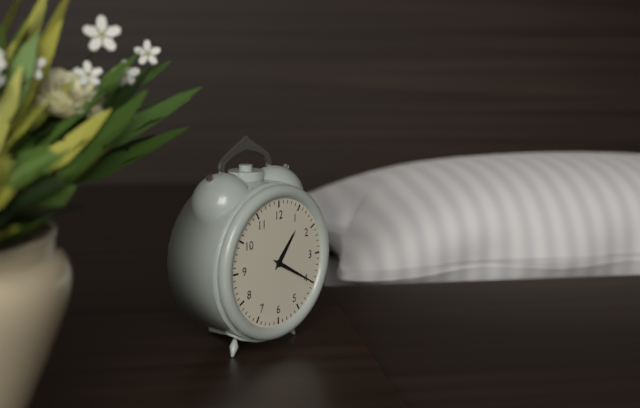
1h20
